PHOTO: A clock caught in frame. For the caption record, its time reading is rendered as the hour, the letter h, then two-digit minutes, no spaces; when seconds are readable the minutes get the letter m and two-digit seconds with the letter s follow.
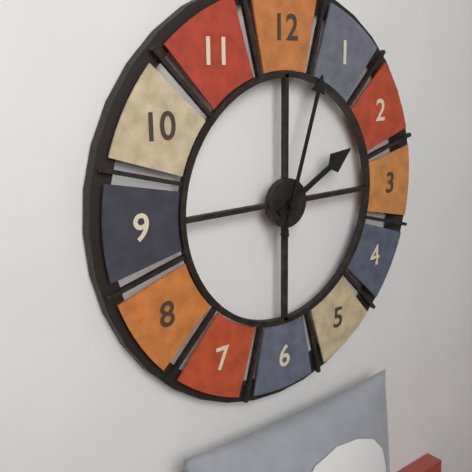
2h03
